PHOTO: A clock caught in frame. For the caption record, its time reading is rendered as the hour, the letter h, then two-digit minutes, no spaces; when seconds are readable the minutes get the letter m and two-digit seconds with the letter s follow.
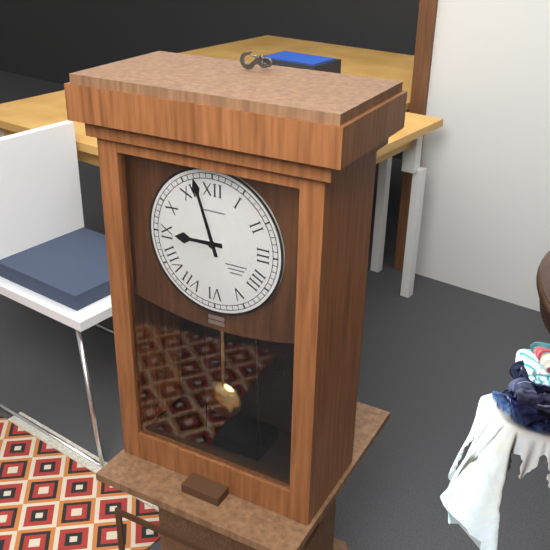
8h57
